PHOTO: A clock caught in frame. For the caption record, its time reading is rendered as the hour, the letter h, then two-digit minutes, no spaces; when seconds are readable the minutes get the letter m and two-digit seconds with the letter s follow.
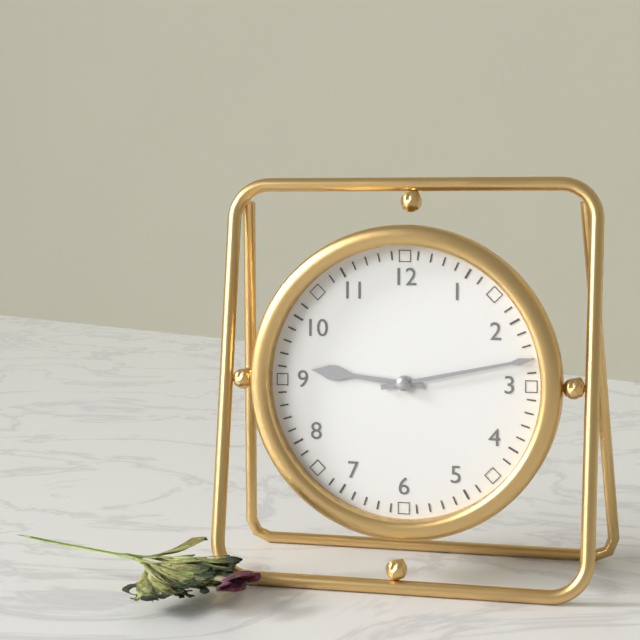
9h13
